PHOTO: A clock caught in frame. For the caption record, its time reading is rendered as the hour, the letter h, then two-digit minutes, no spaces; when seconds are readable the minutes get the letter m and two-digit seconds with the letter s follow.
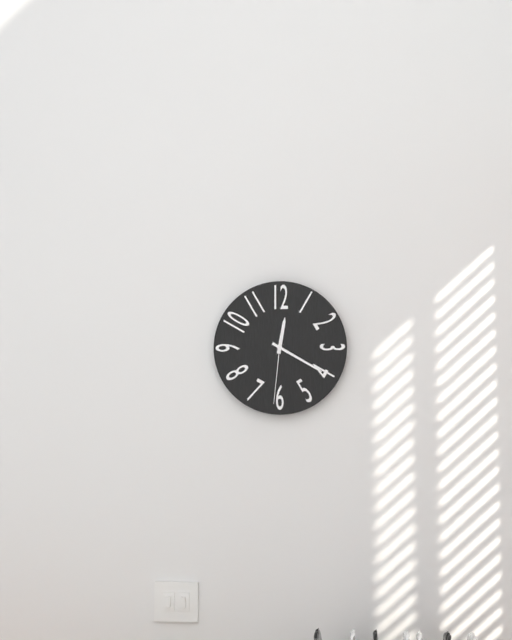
12h20m31s
